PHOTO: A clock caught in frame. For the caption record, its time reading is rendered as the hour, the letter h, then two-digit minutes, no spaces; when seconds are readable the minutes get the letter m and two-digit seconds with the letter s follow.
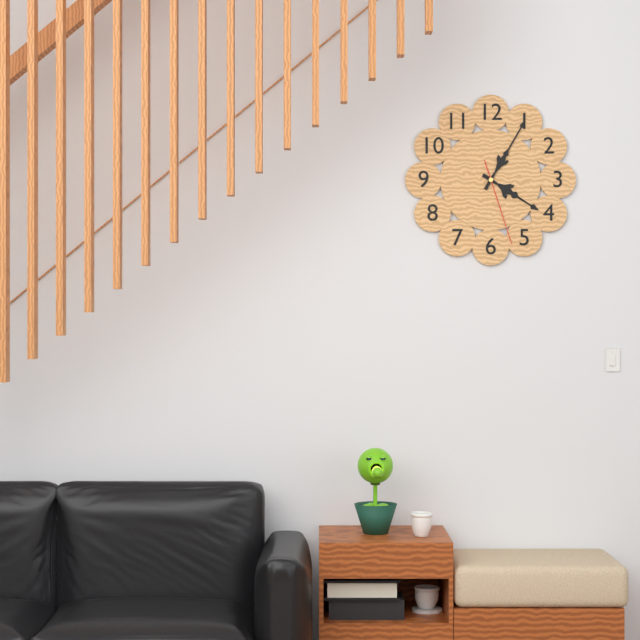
4h05m27s
